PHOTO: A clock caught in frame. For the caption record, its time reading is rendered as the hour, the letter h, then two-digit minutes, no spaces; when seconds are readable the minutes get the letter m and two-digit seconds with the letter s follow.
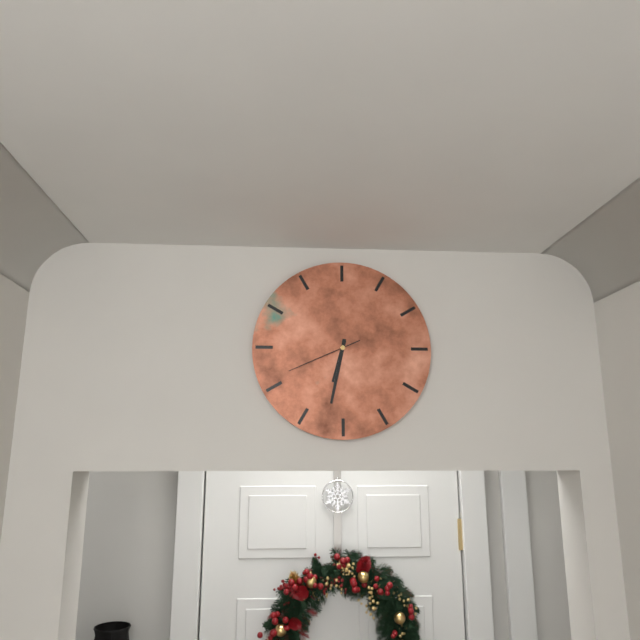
6h32m41s
